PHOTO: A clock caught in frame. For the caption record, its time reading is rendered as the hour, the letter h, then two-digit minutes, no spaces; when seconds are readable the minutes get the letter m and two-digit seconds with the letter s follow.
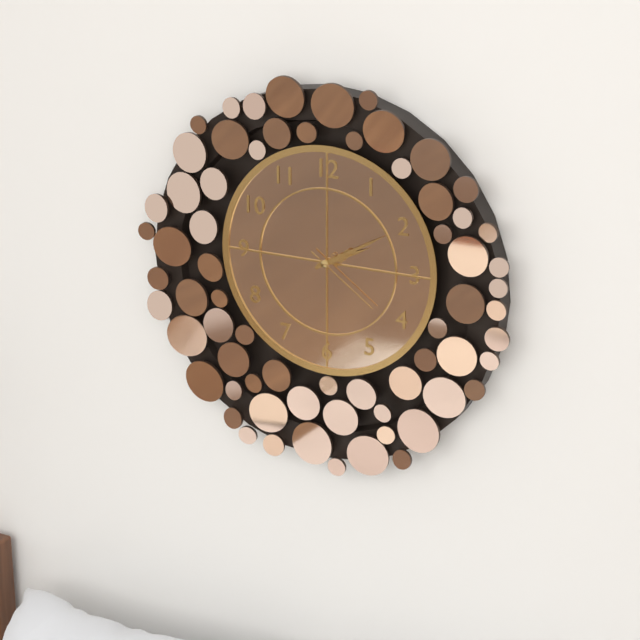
2h10m21s
